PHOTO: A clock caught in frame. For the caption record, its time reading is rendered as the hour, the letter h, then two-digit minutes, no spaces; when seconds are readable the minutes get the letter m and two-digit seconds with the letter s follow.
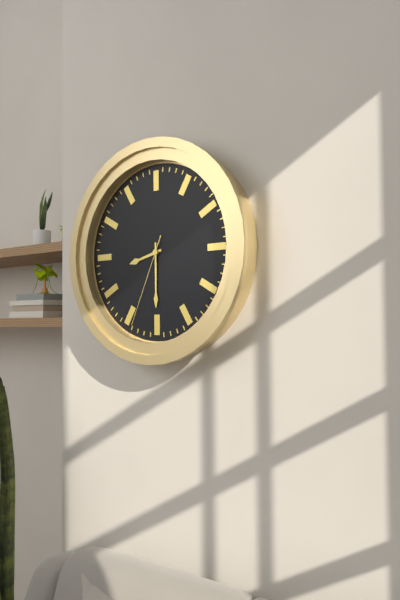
8h30m34s
